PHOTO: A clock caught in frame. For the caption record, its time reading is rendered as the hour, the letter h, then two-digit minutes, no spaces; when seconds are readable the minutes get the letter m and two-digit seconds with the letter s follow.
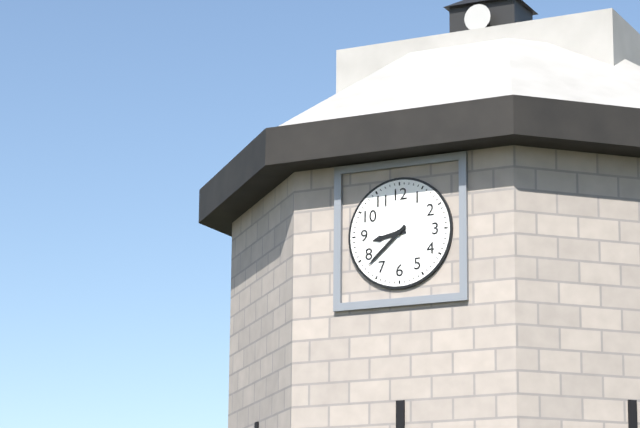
8h38
